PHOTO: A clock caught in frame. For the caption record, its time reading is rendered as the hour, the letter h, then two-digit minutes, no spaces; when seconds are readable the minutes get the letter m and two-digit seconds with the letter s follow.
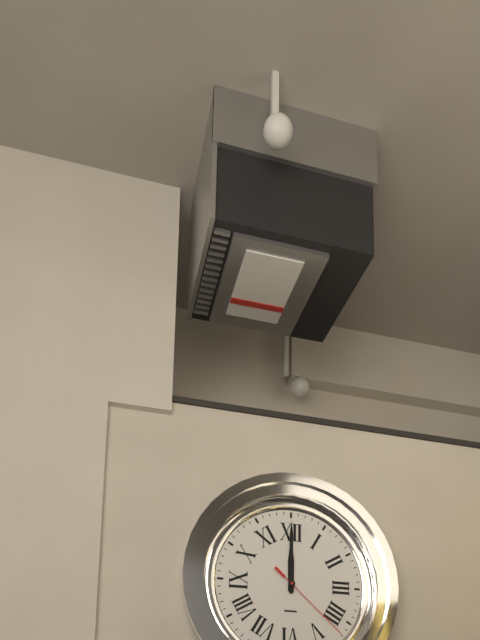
12h00m22s
